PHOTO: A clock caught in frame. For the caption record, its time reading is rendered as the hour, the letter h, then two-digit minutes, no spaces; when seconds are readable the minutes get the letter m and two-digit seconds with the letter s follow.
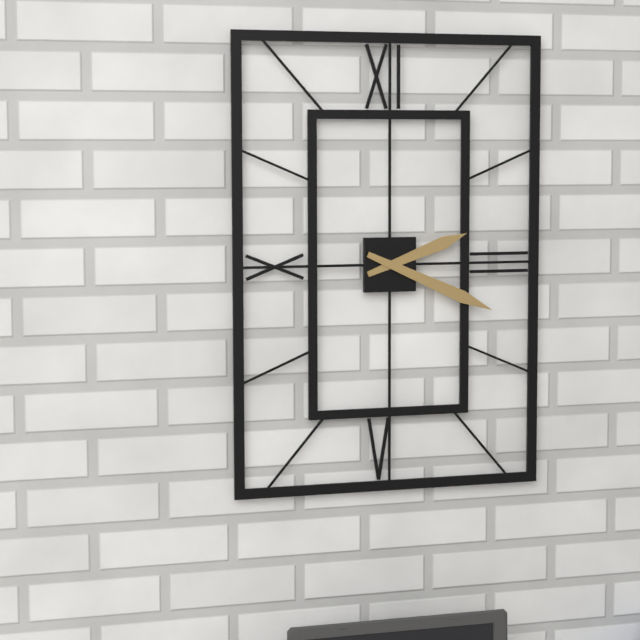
2h19
